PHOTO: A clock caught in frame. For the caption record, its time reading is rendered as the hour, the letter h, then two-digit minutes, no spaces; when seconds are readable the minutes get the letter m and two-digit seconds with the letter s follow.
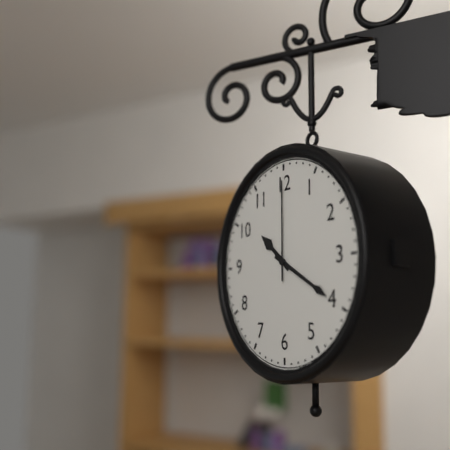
10h20m00s
